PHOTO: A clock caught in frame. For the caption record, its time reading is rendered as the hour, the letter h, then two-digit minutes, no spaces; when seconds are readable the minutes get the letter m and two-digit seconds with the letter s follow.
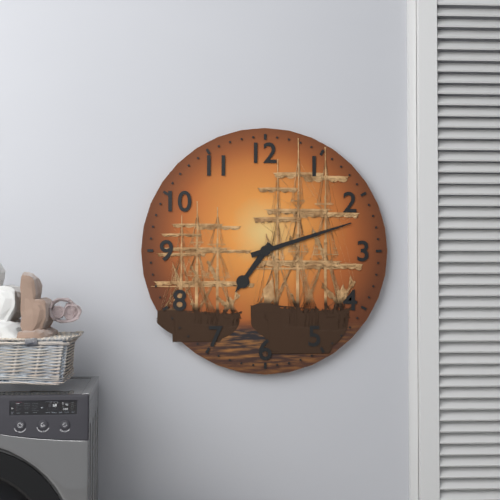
7h12
